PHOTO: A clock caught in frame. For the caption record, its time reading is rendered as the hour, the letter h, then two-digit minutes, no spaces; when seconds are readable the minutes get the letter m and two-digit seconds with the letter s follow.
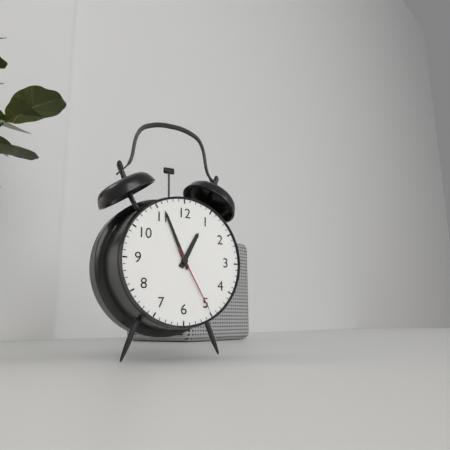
12h56m25s
